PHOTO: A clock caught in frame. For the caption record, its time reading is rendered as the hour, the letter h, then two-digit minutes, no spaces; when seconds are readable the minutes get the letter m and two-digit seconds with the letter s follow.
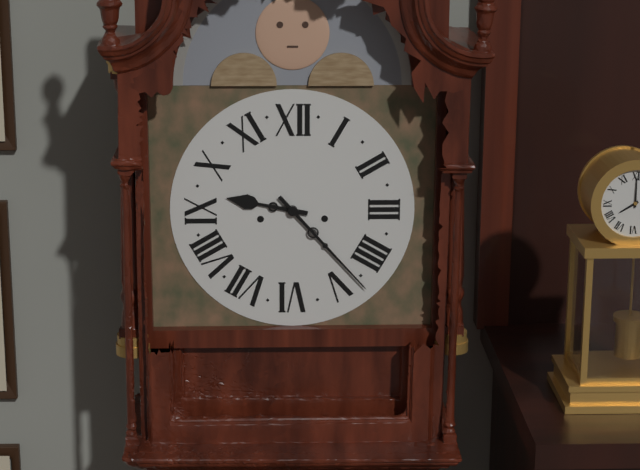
9h23
